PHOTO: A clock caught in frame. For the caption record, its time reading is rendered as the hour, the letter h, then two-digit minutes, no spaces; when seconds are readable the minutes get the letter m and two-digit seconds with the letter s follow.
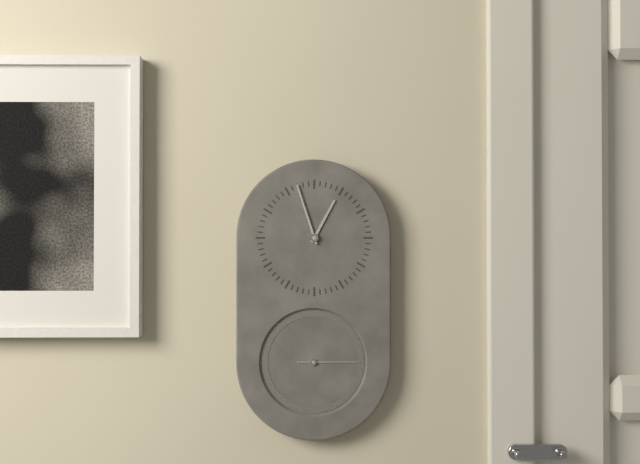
12h57m15s
